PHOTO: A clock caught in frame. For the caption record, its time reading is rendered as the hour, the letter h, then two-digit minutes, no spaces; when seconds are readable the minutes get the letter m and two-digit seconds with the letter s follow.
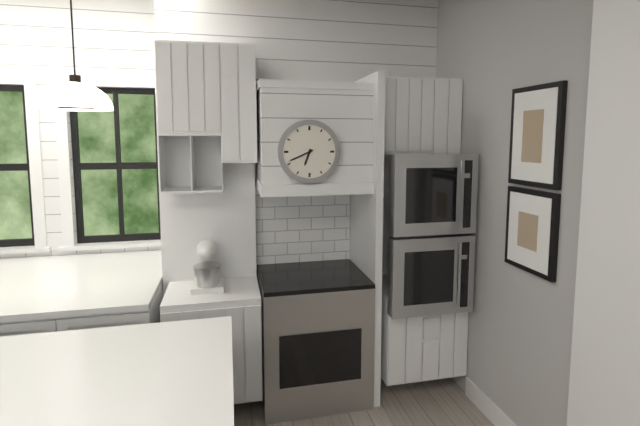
6h41
